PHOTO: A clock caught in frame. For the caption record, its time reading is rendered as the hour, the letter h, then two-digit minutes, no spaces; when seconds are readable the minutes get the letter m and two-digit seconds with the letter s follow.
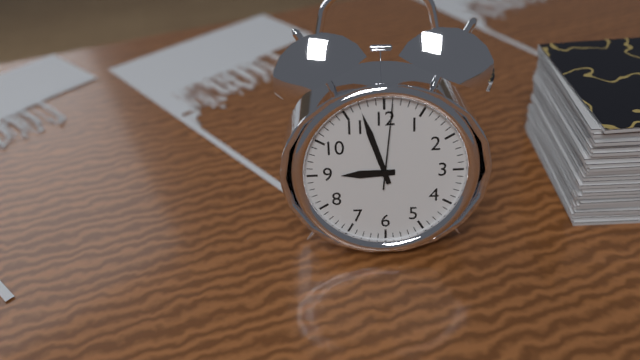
8h57m01s
